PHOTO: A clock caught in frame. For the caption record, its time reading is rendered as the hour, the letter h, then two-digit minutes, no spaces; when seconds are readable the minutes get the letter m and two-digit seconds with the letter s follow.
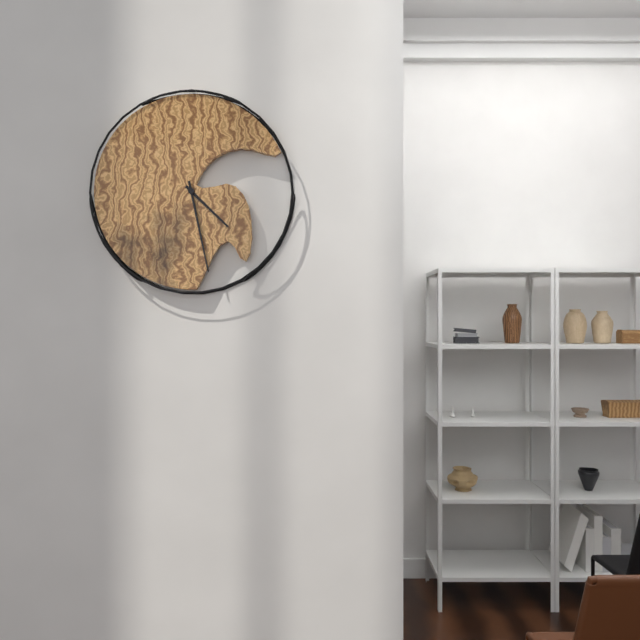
4h28
